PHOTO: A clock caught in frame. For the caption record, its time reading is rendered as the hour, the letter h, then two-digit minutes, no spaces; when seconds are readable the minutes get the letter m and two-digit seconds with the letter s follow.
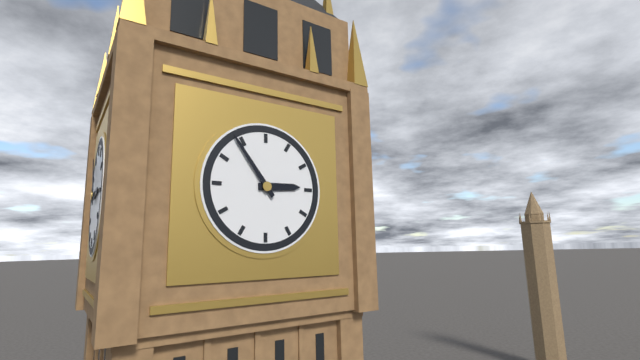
2h54
